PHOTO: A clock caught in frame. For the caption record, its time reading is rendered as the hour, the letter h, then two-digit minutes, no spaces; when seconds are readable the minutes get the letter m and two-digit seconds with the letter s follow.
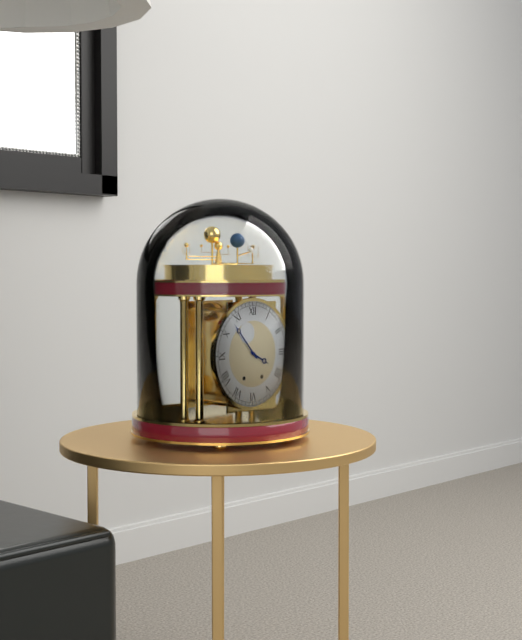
3h53
